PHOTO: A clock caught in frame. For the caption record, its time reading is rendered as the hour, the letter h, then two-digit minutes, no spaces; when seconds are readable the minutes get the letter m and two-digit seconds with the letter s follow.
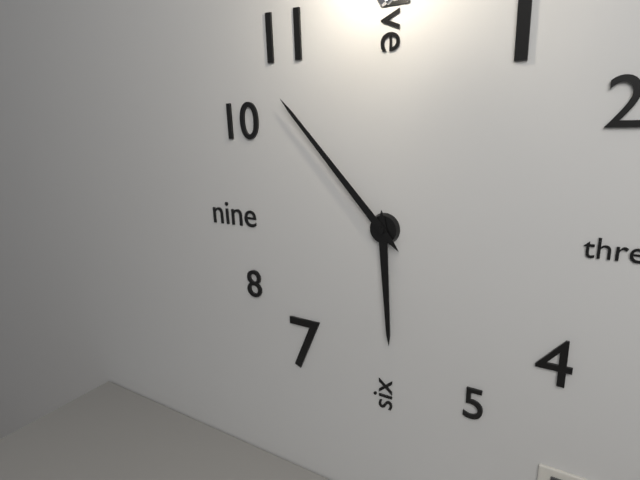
5h53
